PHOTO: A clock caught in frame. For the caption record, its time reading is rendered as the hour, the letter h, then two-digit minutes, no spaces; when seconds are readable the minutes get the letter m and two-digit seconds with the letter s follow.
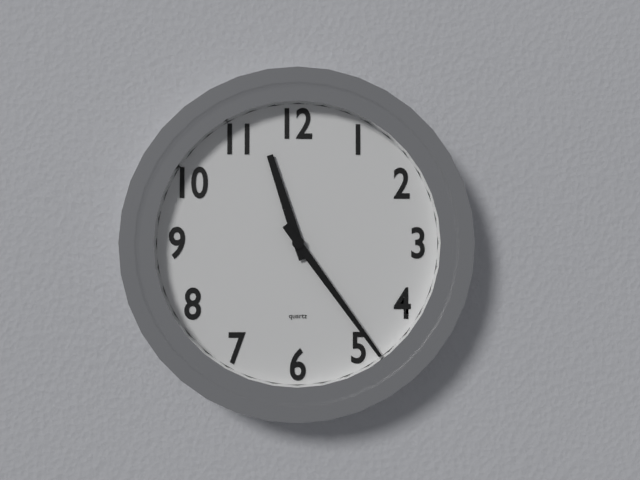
11h24
